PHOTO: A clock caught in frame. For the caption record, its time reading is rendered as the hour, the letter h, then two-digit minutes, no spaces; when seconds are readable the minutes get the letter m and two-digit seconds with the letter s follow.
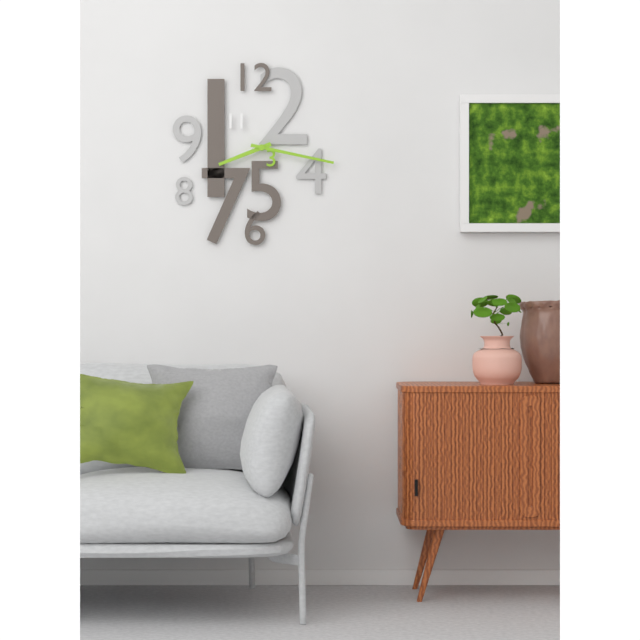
8h17
